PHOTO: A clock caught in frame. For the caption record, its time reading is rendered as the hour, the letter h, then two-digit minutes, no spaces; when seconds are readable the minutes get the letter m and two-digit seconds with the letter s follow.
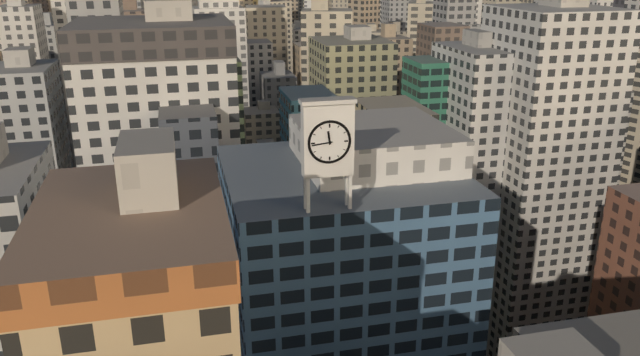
11h44
